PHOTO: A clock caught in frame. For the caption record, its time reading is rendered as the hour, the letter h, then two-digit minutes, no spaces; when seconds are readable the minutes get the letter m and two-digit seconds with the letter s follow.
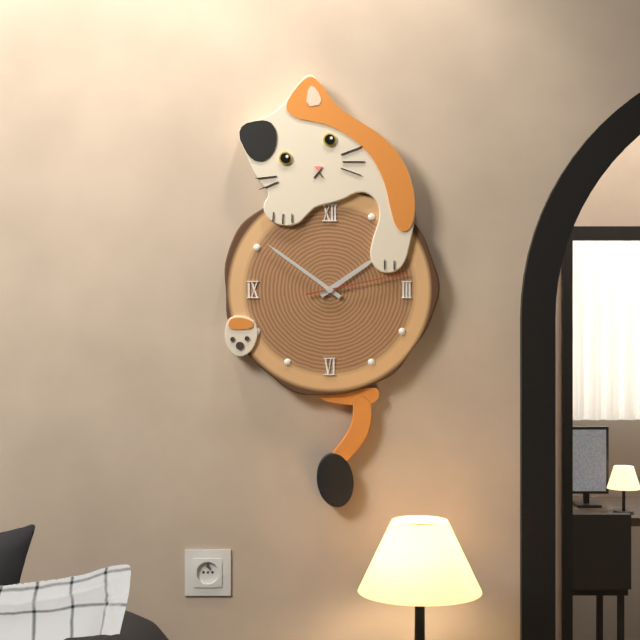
1h51m13s
